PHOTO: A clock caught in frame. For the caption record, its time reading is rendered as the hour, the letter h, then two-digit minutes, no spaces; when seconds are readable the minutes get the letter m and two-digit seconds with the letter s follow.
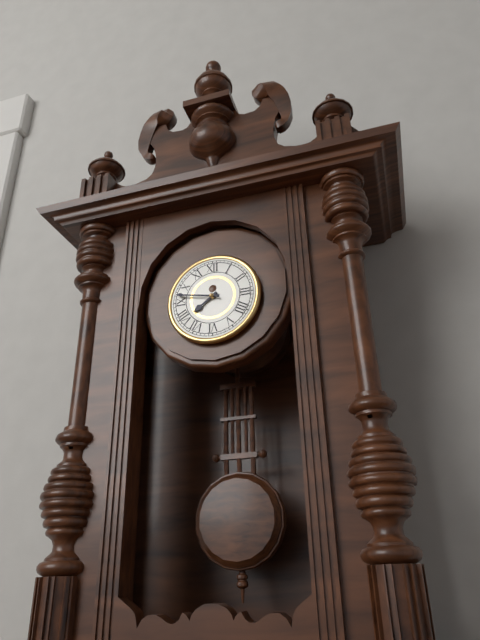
7h47
